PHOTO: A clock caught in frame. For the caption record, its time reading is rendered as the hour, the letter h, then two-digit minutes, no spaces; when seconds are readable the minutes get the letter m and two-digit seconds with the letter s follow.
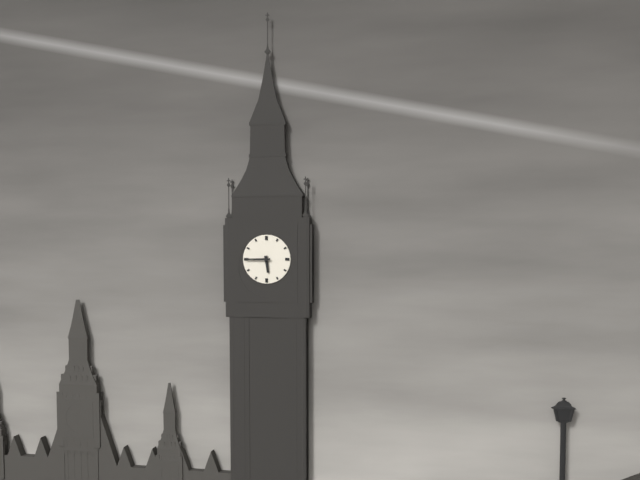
5h45
